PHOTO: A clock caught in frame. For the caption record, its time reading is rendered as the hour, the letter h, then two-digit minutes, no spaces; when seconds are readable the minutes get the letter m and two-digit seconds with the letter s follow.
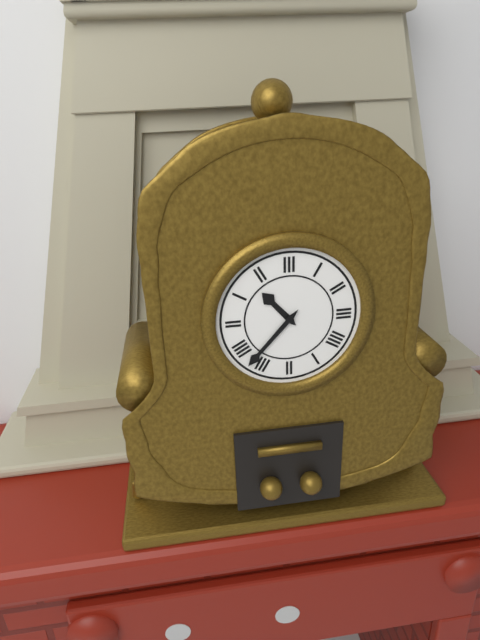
10h37
